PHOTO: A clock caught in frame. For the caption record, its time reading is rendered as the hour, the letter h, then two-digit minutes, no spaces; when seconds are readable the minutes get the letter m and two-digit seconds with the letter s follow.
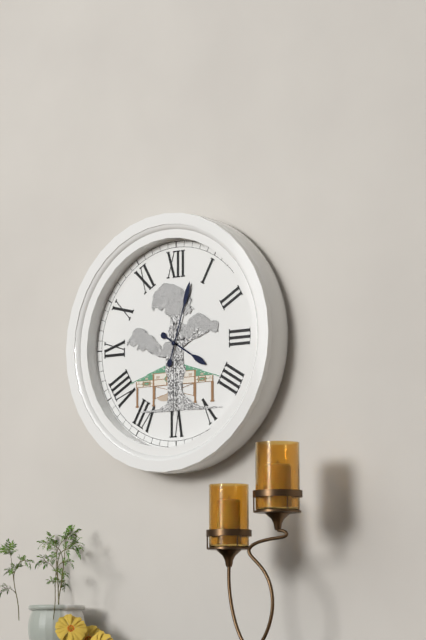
4h03m30s
